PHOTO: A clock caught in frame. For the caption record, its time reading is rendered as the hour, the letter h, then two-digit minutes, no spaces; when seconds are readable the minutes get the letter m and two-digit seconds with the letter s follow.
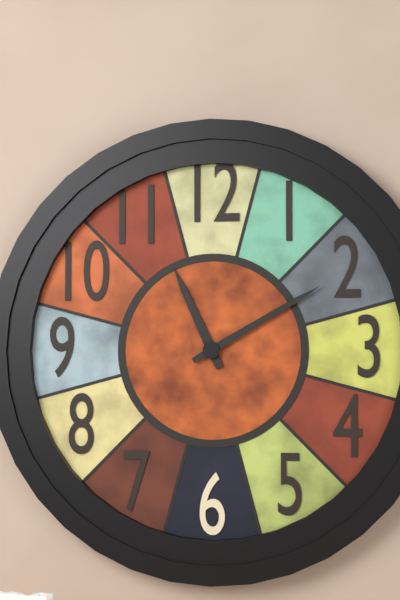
11h10
